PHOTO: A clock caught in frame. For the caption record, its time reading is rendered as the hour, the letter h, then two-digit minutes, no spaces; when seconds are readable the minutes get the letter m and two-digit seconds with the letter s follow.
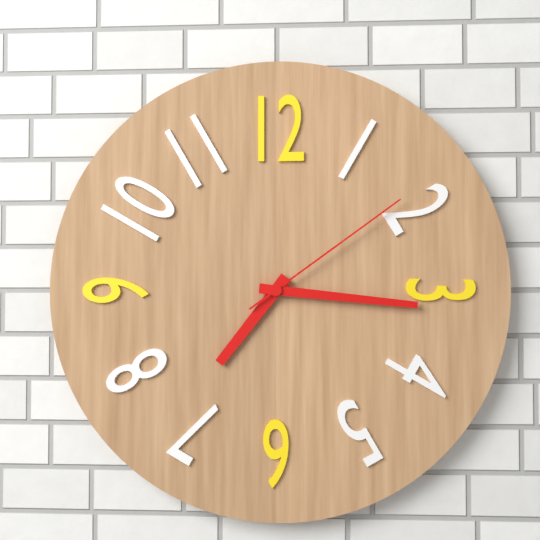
7h16m09s
